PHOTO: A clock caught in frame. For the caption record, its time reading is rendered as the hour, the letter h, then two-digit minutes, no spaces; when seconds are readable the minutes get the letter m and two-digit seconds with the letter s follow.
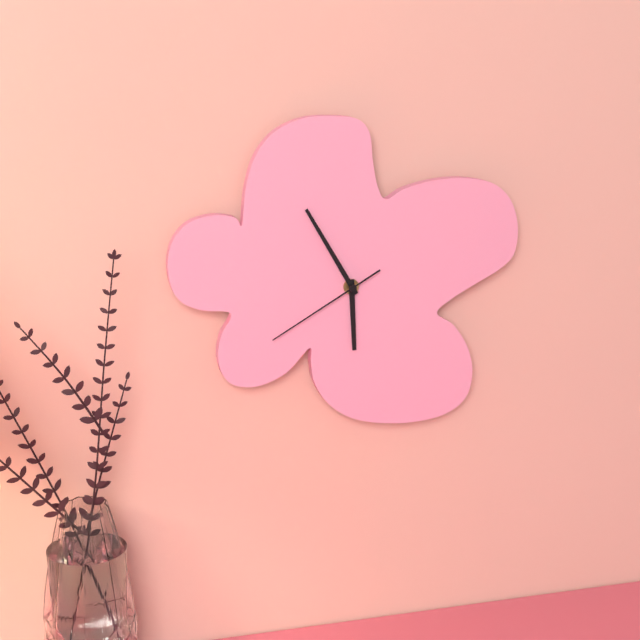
5h55m40s
